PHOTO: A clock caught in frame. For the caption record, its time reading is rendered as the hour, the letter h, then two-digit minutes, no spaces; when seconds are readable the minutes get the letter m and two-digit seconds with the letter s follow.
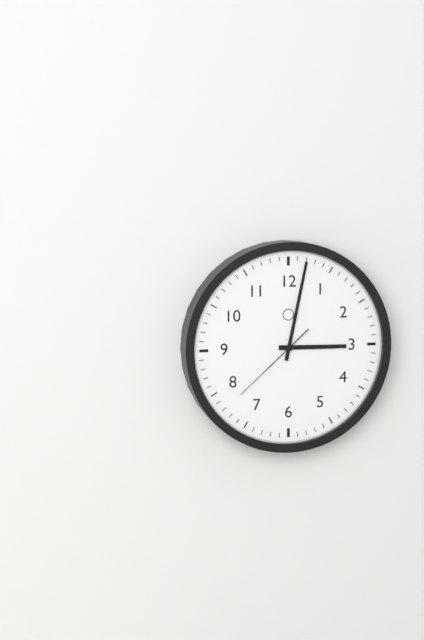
3h02m38s
